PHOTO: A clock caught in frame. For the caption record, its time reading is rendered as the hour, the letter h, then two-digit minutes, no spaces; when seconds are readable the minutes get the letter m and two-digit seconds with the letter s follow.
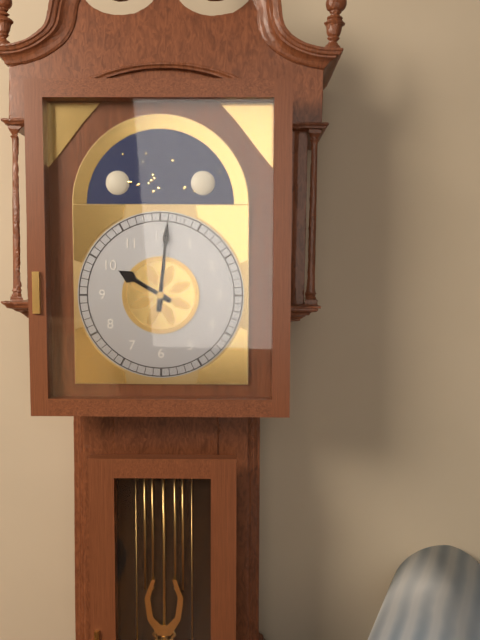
10h01
